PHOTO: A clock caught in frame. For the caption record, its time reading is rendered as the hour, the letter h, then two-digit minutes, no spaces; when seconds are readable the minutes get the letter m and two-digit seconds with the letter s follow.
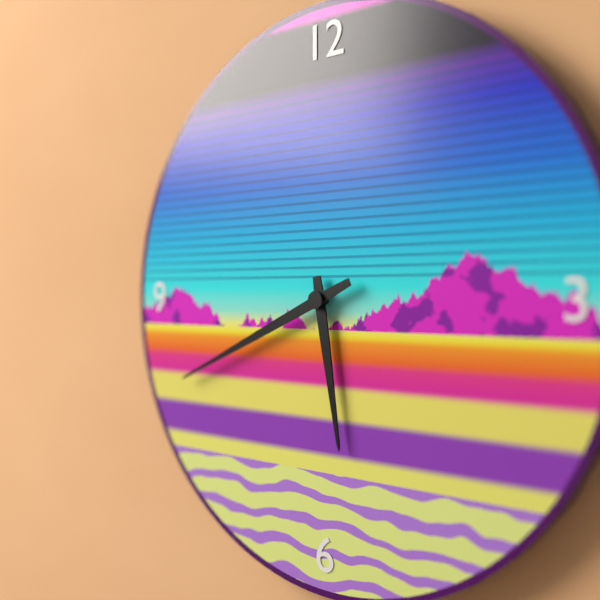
5h41
